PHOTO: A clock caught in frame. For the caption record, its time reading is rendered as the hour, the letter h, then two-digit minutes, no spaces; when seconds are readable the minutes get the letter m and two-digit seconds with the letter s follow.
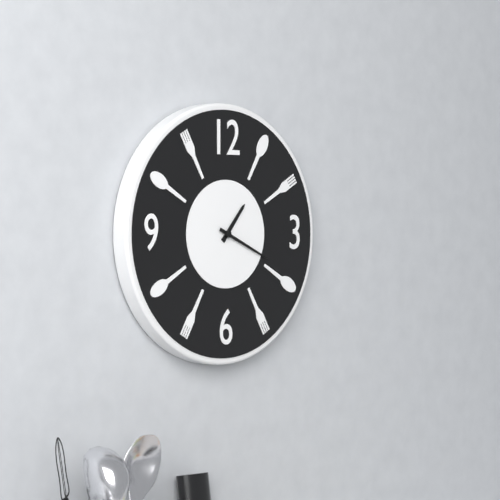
1h19
